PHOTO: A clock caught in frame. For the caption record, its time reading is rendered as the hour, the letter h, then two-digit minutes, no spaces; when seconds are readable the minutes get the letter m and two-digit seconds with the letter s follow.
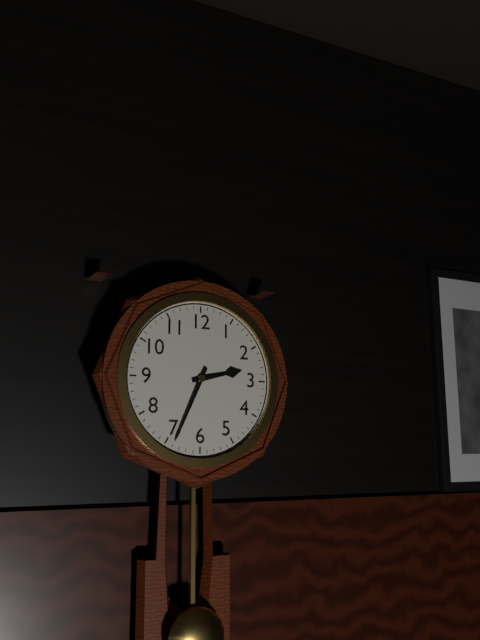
2h34
